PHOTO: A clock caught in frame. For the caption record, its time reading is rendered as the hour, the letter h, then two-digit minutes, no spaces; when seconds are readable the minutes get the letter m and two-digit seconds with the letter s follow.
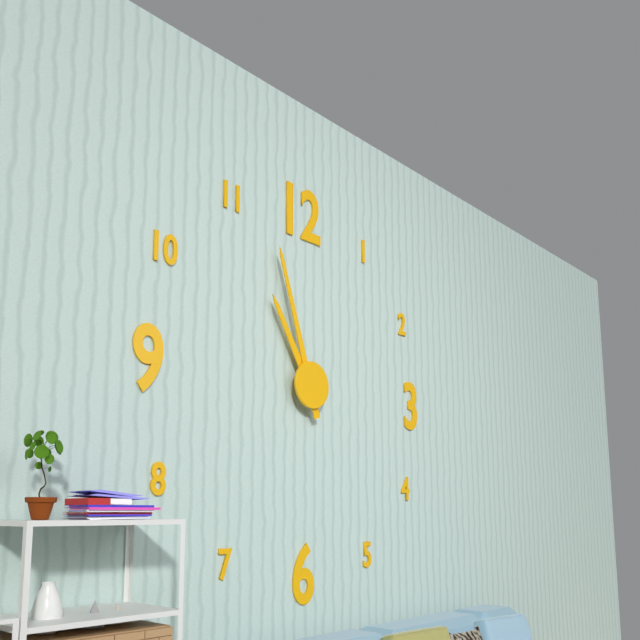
10h57
